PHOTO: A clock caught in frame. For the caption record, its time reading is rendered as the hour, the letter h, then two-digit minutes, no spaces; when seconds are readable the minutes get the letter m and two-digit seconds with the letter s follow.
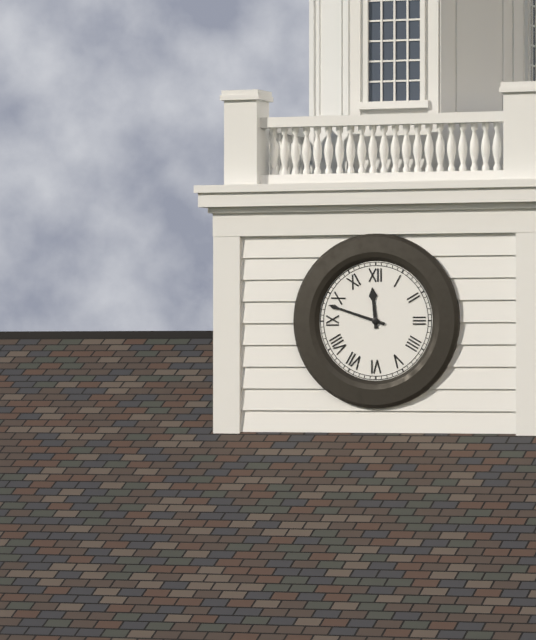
11h48
